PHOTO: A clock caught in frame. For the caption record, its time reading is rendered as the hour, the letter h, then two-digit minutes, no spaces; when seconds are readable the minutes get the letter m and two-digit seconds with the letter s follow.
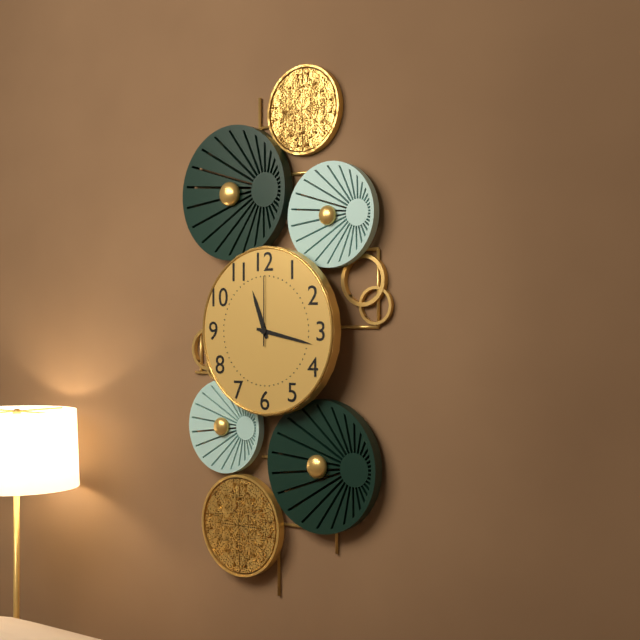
11h17m00s
